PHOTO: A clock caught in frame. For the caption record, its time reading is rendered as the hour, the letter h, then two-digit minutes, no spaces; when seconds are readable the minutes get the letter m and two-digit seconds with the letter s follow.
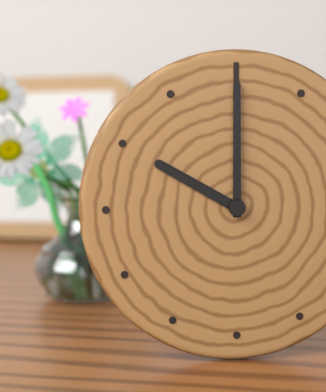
10h00
